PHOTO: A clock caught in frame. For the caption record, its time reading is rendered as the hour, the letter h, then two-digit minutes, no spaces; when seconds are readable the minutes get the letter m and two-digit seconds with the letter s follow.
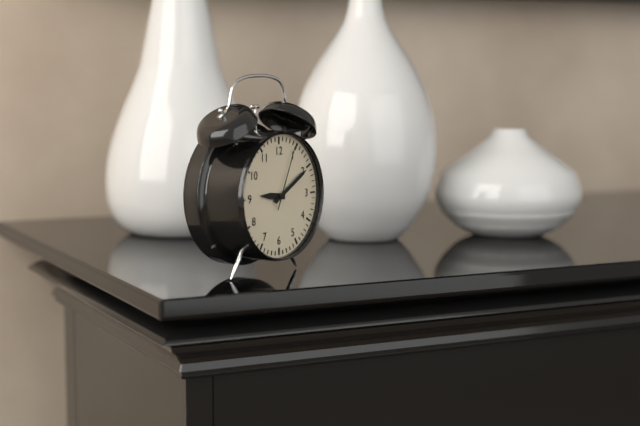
9h10m04s
